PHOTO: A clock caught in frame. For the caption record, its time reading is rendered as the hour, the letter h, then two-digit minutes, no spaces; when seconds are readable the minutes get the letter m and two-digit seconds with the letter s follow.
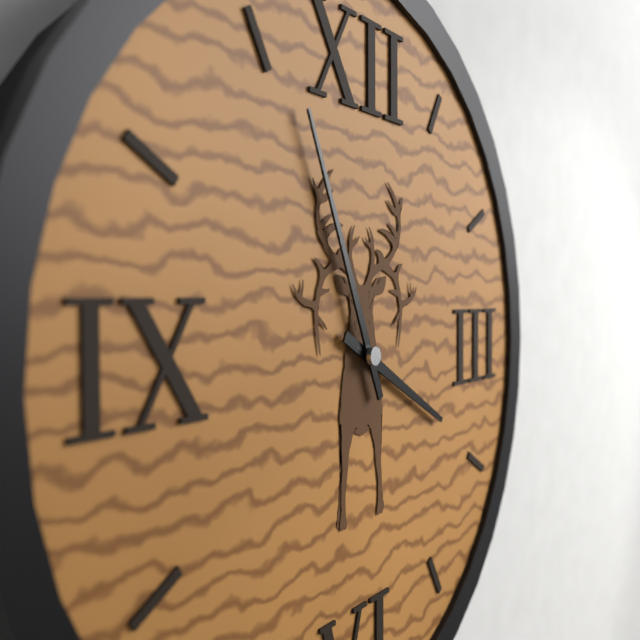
3h56
